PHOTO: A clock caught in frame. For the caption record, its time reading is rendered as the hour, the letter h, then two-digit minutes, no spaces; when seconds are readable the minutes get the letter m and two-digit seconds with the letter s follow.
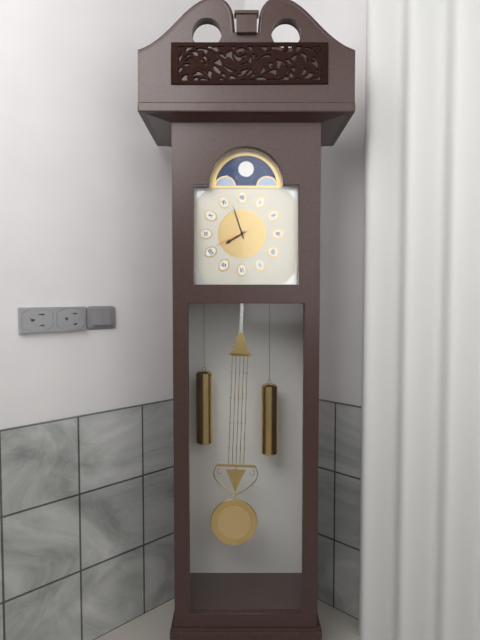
7h57
